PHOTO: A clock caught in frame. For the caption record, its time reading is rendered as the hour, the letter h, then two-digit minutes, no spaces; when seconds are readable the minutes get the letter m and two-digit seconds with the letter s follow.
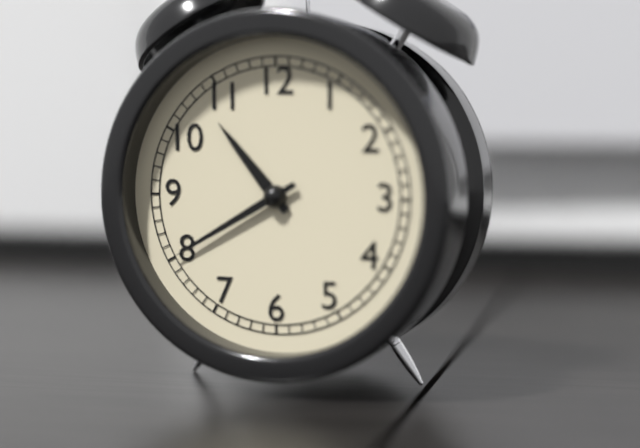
10h40
